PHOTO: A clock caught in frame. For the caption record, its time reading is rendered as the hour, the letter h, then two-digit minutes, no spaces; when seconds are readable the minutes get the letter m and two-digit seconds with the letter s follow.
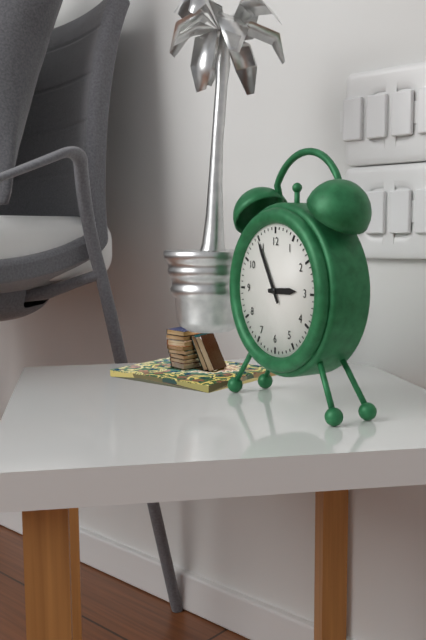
2h55
